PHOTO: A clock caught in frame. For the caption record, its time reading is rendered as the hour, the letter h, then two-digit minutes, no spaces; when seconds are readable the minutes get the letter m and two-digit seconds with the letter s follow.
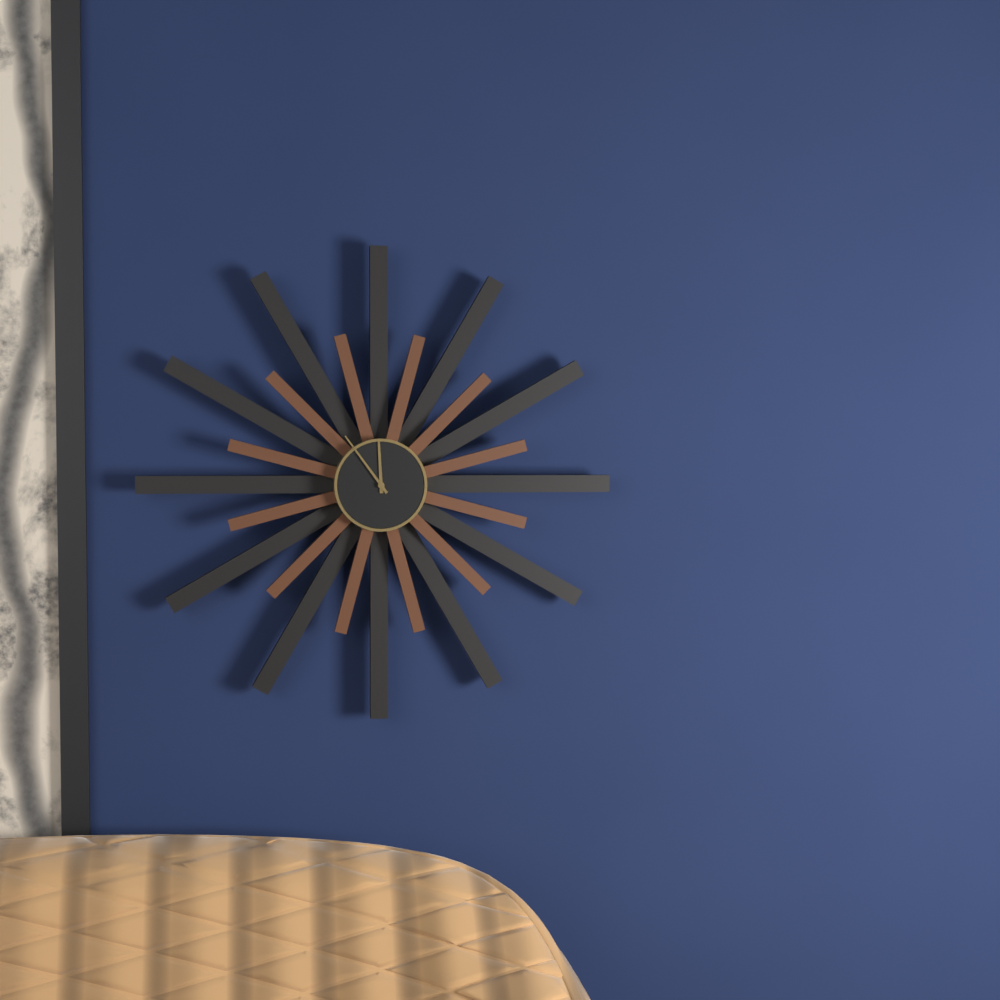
11h54
